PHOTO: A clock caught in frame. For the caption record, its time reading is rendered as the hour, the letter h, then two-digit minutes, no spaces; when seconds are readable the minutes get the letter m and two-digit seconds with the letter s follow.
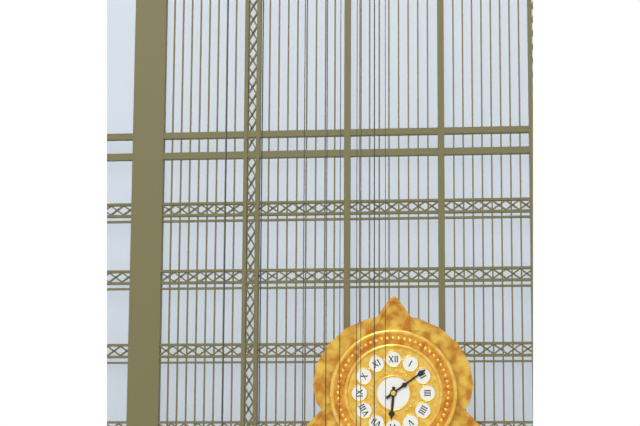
6h09
